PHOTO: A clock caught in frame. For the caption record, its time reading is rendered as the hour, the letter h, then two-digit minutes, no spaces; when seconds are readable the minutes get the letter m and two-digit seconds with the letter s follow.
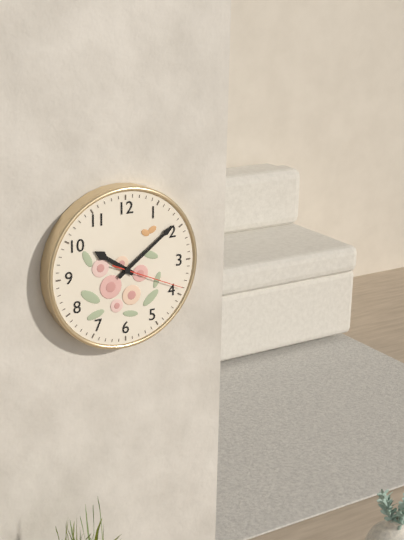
10h09m19s
